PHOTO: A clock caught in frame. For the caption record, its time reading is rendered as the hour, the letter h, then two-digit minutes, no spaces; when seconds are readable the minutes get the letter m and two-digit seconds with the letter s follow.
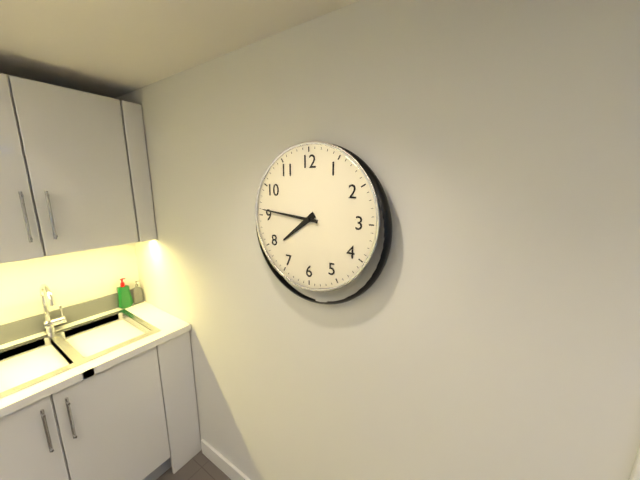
7h46
